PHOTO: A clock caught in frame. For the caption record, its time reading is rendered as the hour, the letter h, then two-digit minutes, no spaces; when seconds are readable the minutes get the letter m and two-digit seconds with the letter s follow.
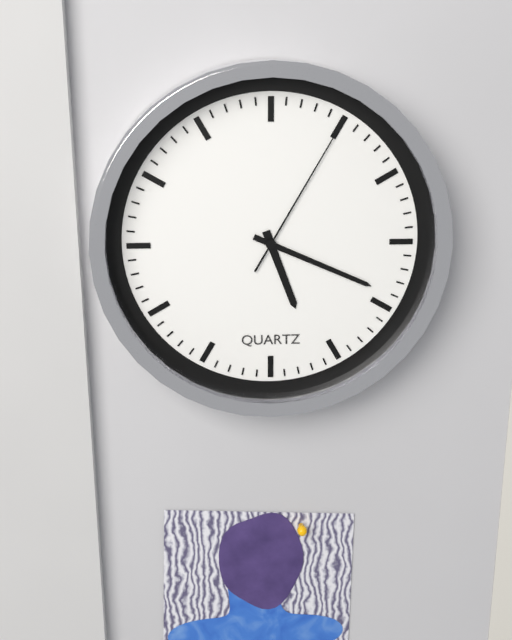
5h19m05s
